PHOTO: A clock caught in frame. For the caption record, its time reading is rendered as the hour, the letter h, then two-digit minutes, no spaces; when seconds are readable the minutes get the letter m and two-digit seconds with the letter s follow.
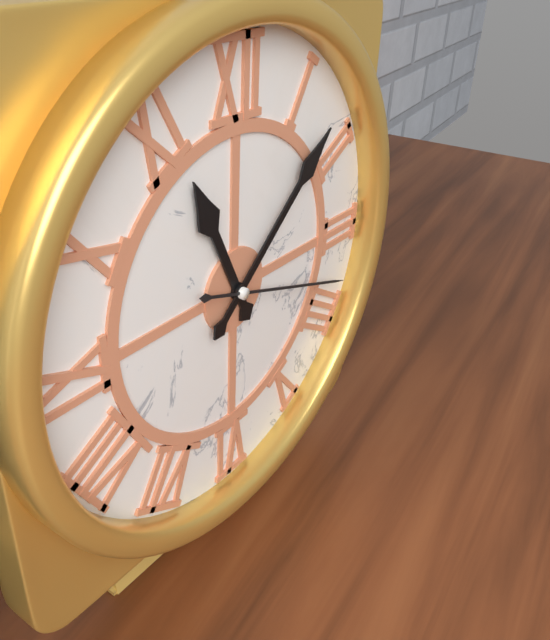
11h08m18s
